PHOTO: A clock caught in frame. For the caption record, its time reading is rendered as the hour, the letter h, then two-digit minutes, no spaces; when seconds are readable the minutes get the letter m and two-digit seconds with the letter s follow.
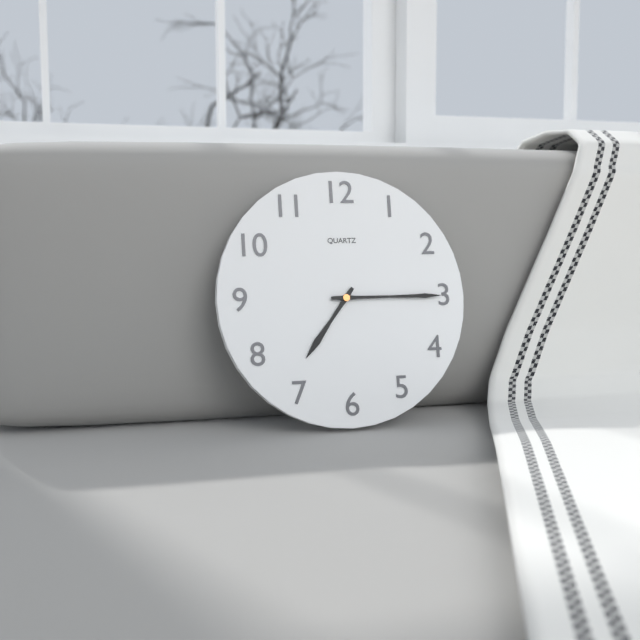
7h15
